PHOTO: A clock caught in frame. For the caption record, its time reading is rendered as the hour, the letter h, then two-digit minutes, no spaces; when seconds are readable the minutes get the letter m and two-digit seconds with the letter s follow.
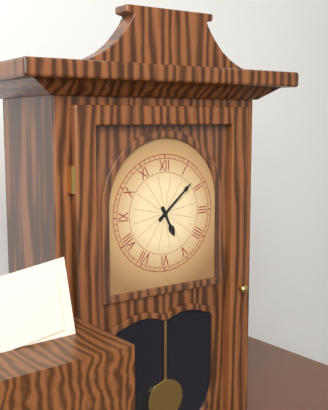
5h08
